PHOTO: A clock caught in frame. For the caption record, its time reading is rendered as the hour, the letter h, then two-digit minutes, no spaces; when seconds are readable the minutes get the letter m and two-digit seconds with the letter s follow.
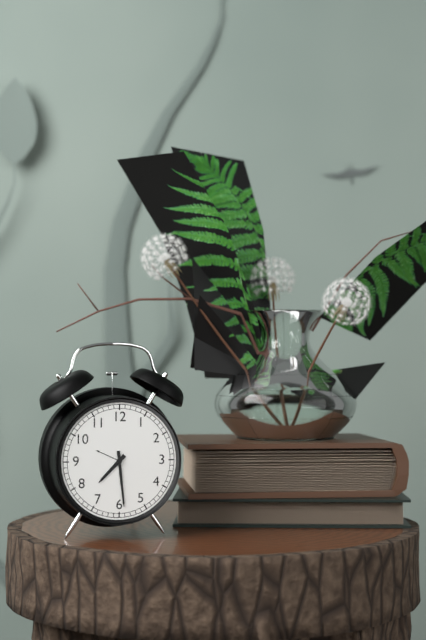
7h29
